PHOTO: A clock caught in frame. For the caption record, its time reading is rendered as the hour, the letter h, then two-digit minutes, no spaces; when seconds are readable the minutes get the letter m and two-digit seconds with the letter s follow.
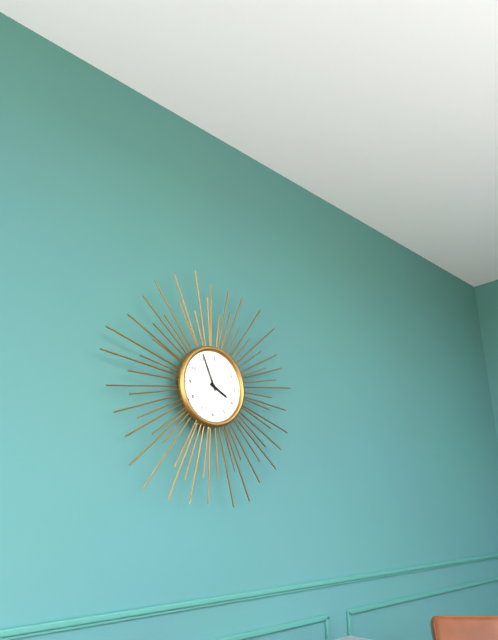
3h56
